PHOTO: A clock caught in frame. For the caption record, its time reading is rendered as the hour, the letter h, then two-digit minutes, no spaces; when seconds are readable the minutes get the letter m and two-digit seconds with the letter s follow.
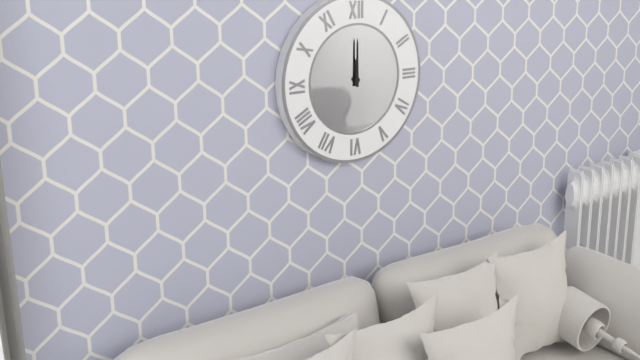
12h00
